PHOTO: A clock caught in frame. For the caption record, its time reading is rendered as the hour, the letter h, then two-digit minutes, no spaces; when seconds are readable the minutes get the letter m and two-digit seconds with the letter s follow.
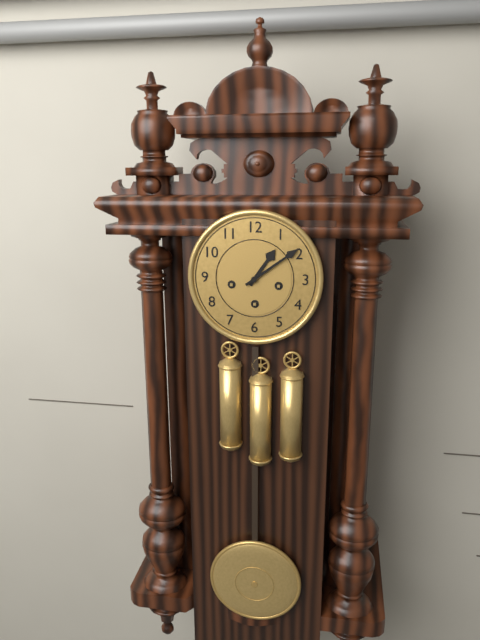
1h09
